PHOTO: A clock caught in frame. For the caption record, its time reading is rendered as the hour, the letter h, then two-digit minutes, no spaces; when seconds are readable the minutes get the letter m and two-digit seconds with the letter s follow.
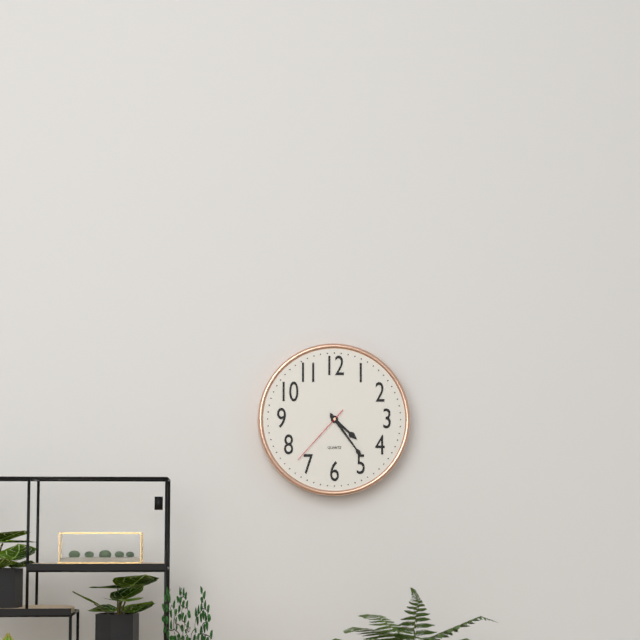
4h24m37s
